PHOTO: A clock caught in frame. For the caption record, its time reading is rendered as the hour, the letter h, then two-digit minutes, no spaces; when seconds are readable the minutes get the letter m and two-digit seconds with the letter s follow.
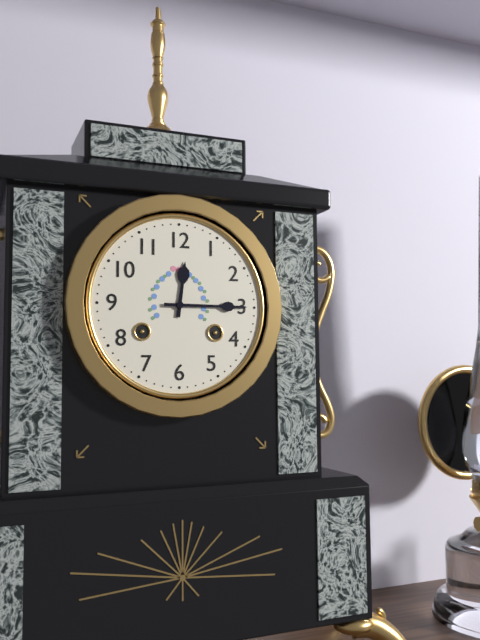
12h15
